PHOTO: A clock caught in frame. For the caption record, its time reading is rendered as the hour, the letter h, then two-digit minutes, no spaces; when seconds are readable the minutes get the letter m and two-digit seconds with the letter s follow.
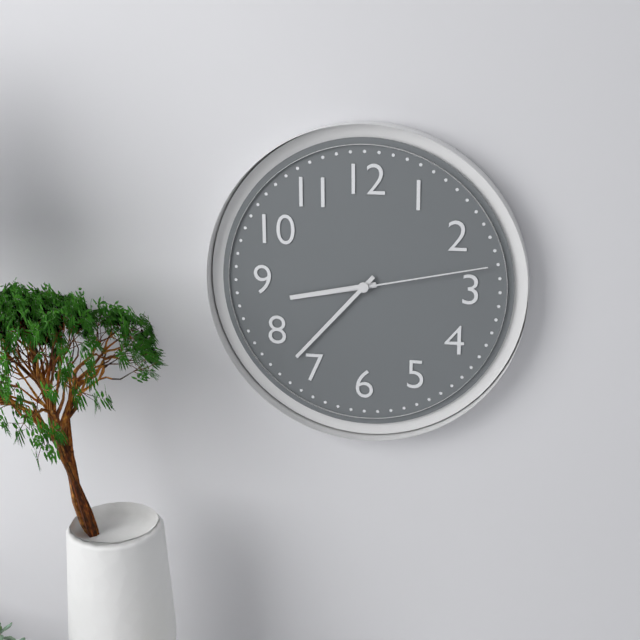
8h37m13s
